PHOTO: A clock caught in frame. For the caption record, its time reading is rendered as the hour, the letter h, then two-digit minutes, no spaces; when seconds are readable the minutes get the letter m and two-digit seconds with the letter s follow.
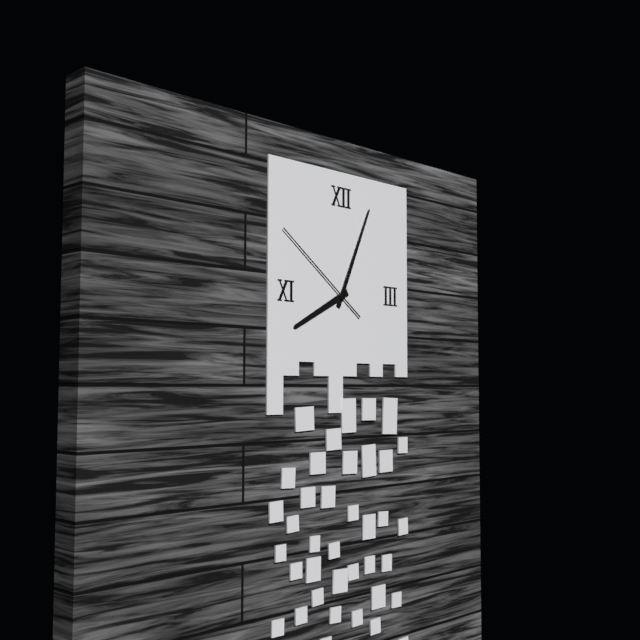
8h04m51s
